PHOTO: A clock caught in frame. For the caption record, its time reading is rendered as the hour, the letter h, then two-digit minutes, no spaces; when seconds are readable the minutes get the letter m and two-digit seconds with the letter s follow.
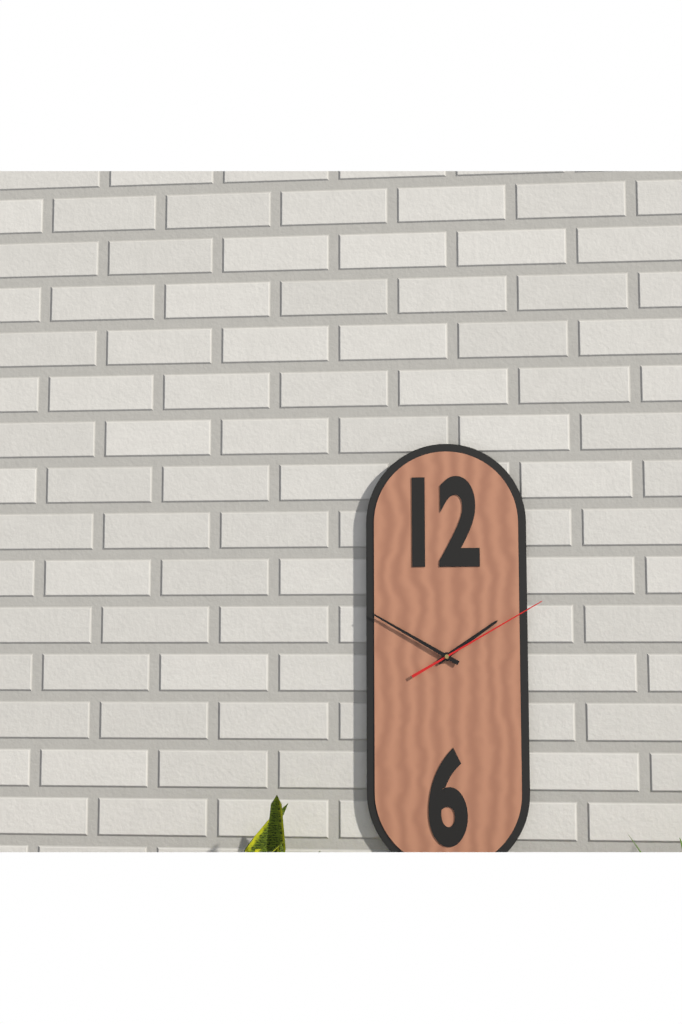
1h50m10s
